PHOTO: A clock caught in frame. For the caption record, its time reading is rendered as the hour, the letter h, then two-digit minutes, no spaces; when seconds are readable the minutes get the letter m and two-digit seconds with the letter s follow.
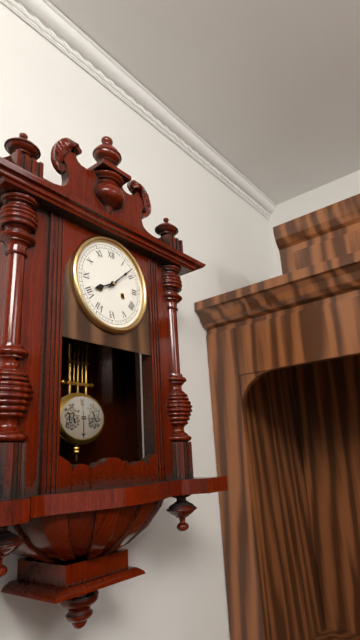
8h08
